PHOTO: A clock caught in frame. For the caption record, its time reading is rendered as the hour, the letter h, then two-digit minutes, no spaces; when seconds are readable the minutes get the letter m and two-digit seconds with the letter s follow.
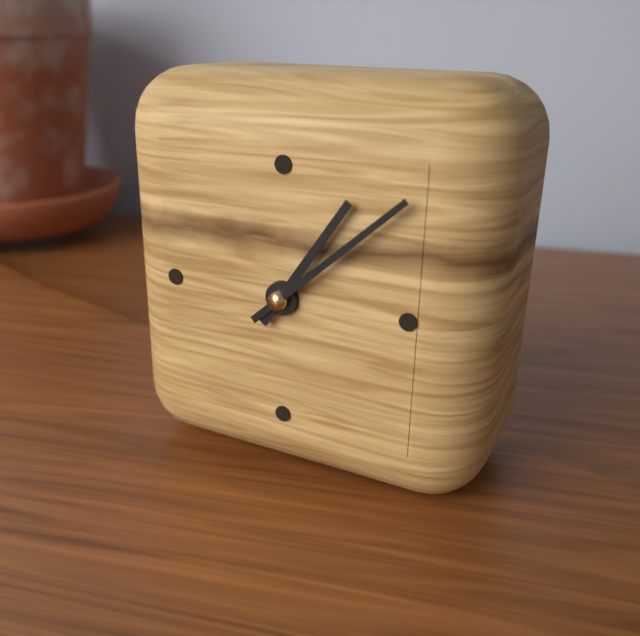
1h08
